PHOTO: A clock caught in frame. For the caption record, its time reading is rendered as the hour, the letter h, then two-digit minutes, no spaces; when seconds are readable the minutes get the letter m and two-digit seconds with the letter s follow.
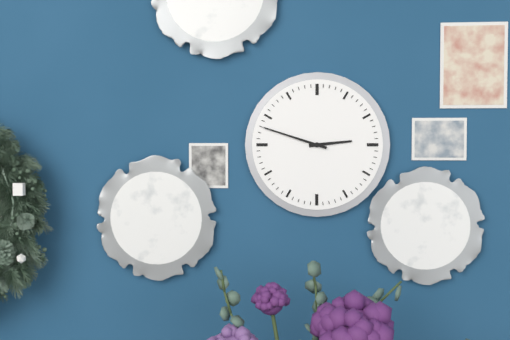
2h48
